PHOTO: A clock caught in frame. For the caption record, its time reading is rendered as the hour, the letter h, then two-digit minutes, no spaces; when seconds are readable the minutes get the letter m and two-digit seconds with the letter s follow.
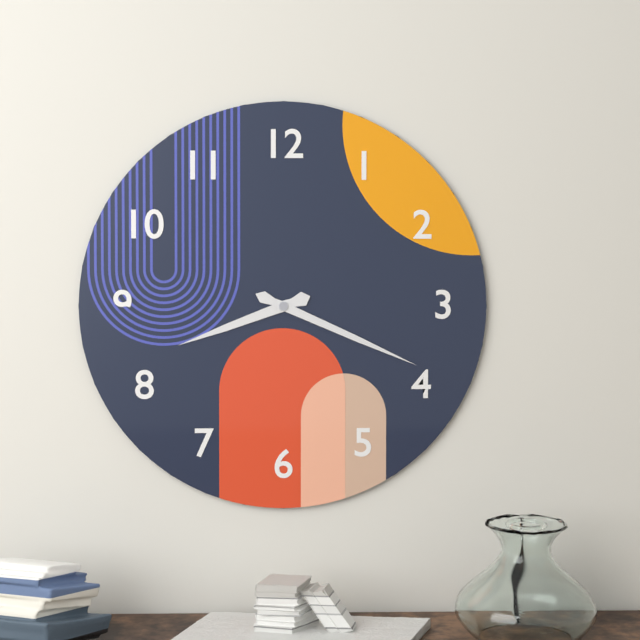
8h19
